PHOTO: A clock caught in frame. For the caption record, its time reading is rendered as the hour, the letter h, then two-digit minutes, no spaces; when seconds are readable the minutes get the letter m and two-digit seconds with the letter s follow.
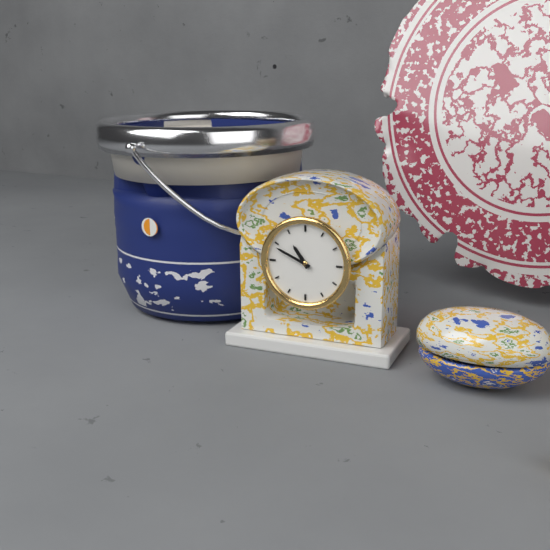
10h49
